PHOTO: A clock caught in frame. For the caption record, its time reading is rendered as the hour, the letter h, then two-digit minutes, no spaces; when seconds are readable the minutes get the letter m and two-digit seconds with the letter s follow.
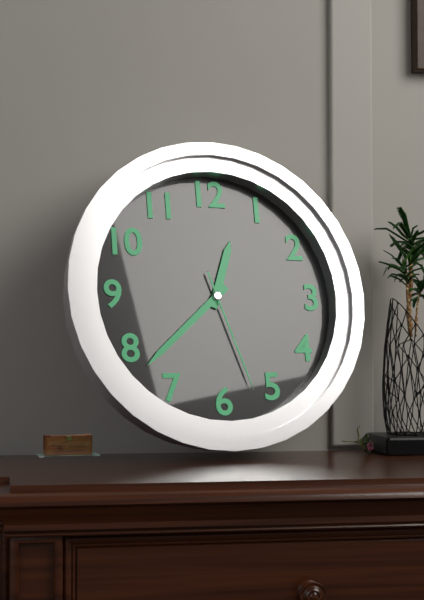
12h38m27s
